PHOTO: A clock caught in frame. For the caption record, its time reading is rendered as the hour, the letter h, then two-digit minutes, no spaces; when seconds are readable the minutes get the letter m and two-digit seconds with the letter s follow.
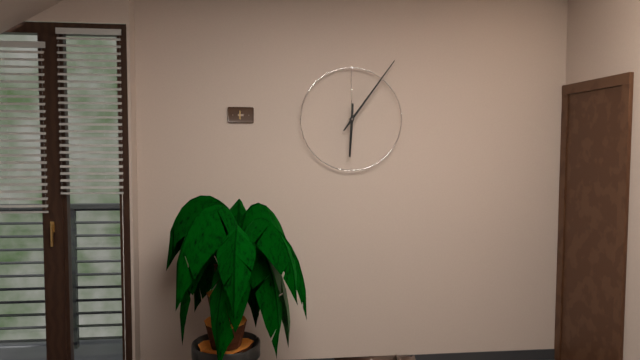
6h06
